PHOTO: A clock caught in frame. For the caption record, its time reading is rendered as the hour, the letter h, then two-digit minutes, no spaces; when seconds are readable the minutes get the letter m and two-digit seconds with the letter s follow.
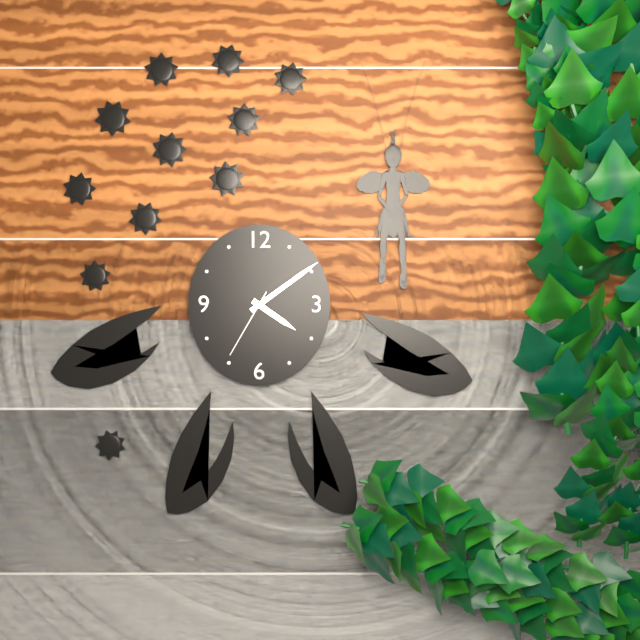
4h09m35s
